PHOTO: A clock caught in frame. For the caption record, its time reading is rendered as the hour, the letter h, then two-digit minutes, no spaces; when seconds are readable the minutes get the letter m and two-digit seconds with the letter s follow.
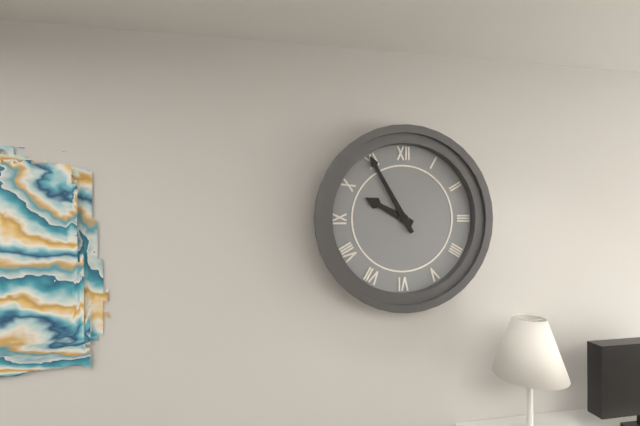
9h55
